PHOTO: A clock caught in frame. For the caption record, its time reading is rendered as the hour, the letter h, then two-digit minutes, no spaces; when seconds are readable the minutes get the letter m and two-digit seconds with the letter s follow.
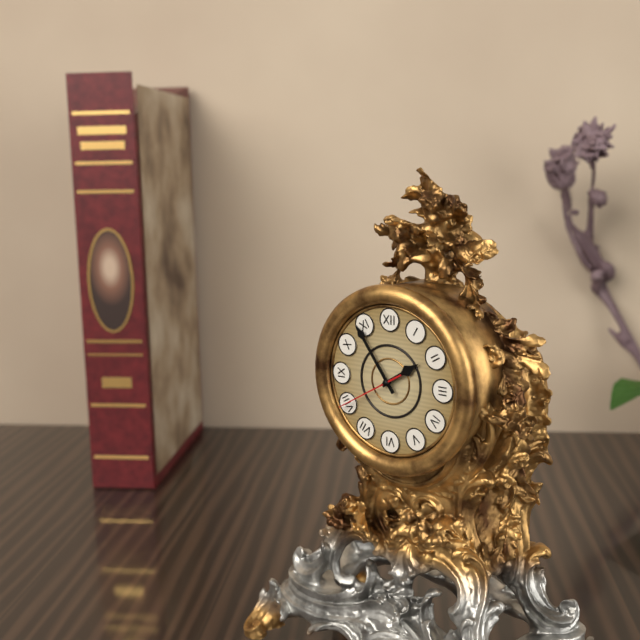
1h54m40s
